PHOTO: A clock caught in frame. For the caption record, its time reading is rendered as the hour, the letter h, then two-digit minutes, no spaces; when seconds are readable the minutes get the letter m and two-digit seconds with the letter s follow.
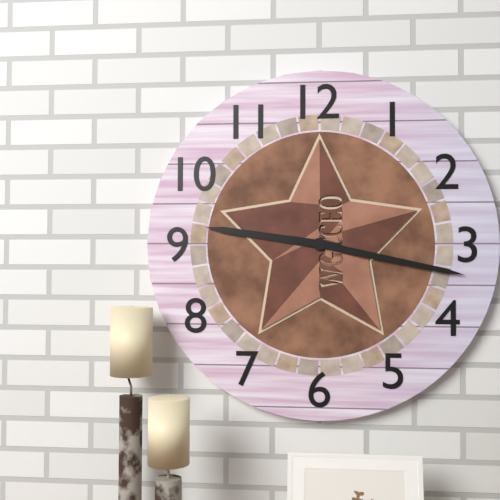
9h17
